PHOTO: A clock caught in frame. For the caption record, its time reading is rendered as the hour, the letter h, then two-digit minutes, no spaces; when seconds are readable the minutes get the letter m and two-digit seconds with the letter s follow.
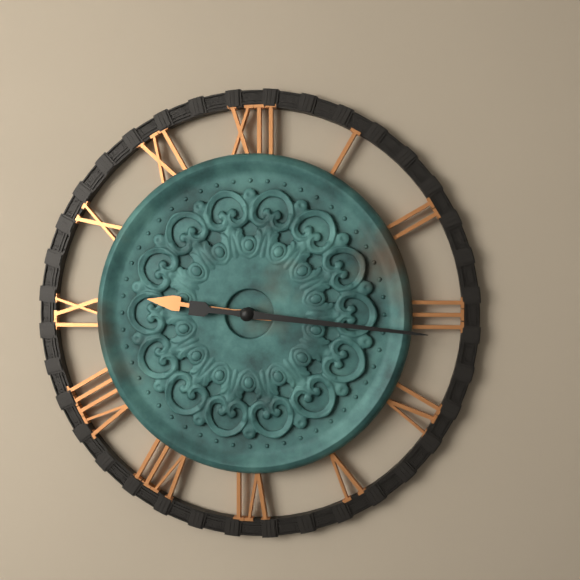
9h16
